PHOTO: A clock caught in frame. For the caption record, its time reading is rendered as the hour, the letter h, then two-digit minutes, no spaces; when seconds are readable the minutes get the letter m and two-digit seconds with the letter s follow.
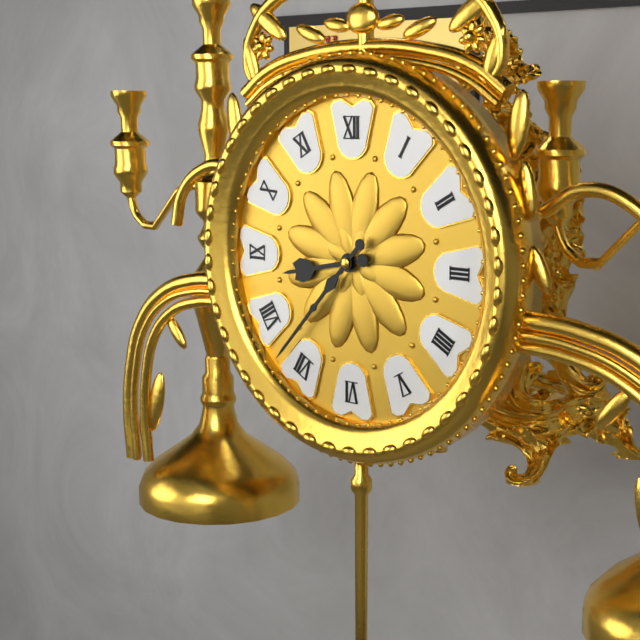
8h37
